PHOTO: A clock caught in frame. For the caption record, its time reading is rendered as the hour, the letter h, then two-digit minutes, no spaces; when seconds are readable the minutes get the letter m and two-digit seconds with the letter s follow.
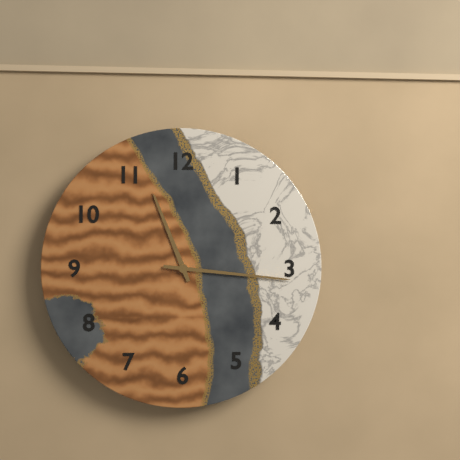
11h16
